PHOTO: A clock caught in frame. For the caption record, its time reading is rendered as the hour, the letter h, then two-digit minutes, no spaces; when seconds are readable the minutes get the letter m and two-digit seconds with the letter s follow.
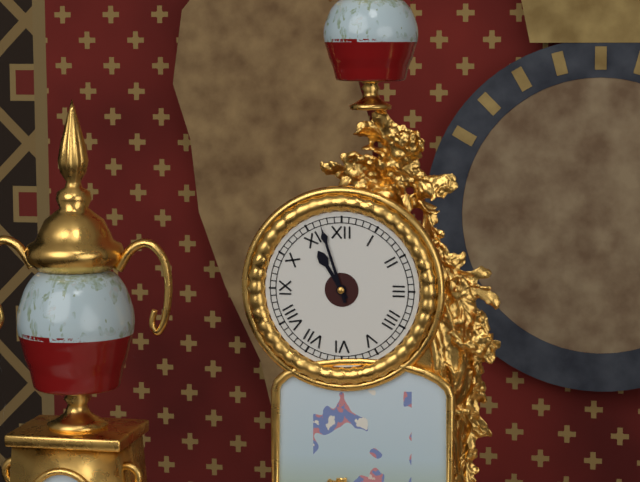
10h57
